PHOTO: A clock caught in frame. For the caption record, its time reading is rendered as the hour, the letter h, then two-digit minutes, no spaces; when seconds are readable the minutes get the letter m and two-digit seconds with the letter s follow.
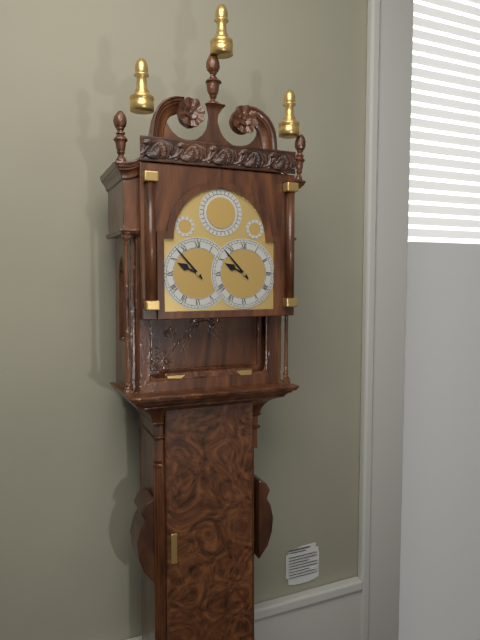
9h53
